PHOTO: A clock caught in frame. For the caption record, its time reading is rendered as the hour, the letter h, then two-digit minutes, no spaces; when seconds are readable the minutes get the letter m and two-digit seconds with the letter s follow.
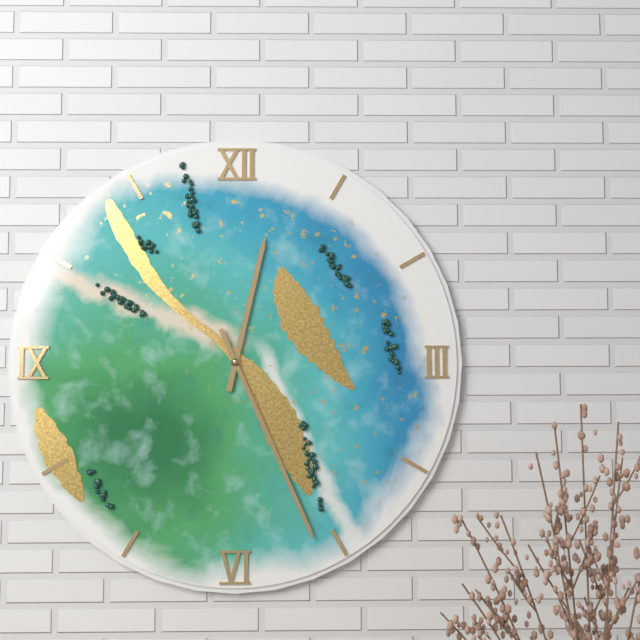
12h26
